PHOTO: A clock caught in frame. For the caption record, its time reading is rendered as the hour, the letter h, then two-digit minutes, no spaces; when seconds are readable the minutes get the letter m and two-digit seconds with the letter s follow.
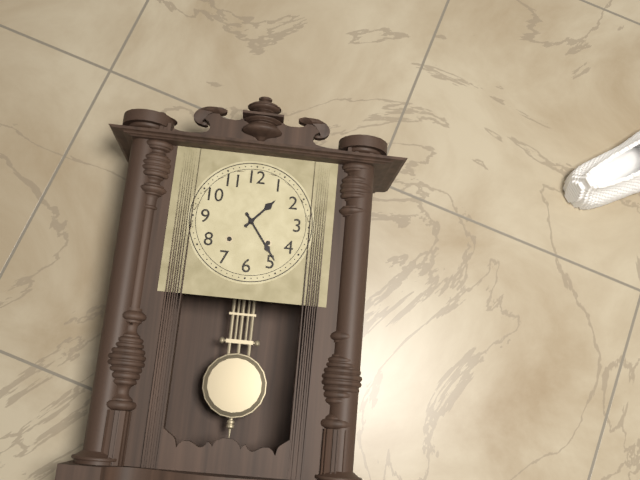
1h24
